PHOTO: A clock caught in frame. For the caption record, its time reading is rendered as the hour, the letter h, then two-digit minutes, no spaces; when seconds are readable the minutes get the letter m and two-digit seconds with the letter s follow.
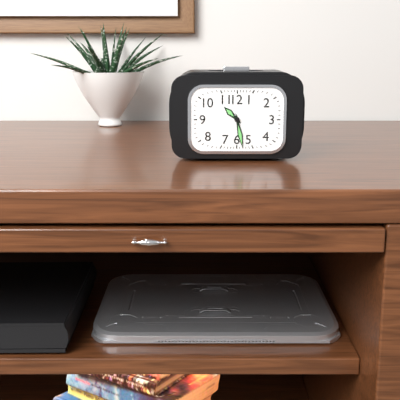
10h28
